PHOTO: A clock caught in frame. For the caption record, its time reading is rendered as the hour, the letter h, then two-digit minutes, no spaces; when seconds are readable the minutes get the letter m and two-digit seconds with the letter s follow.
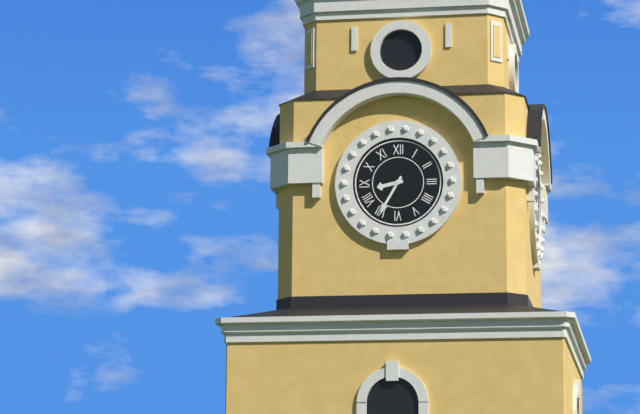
8h35
